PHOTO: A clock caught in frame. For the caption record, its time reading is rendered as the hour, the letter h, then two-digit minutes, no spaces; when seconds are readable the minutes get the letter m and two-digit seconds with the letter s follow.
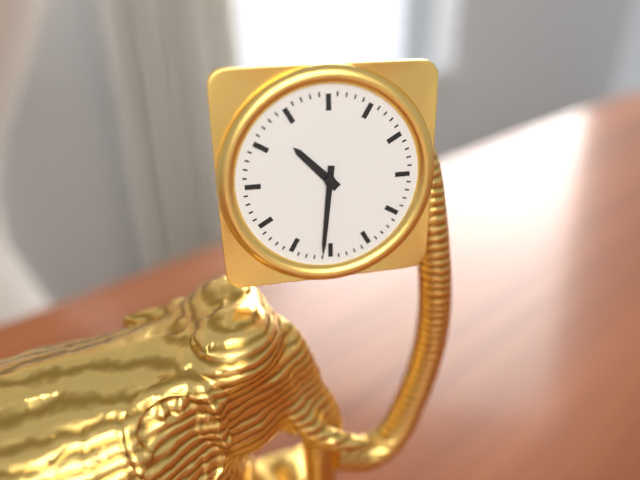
10h31
